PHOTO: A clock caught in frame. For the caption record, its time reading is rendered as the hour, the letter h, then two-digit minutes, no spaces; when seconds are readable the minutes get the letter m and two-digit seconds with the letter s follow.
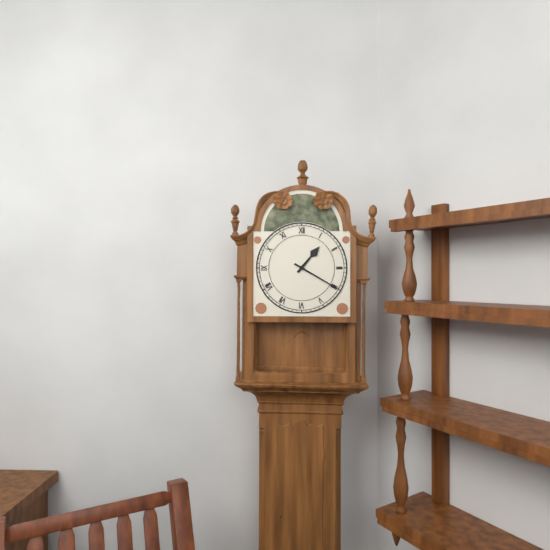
1h20
